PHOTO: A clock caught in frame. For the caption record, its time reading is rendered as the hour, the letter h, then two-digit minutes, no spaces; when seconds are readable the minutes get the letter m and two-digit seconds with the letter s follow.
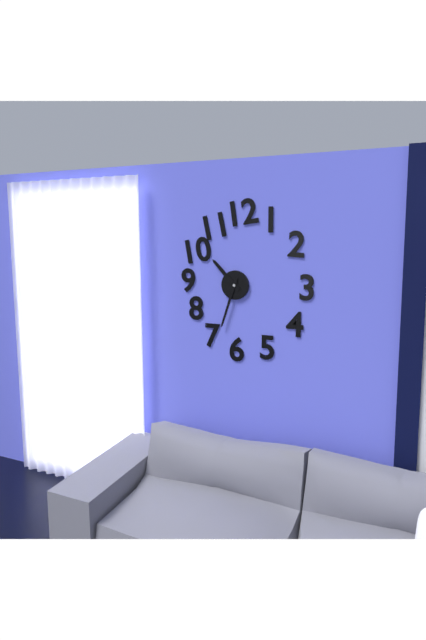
10h33
